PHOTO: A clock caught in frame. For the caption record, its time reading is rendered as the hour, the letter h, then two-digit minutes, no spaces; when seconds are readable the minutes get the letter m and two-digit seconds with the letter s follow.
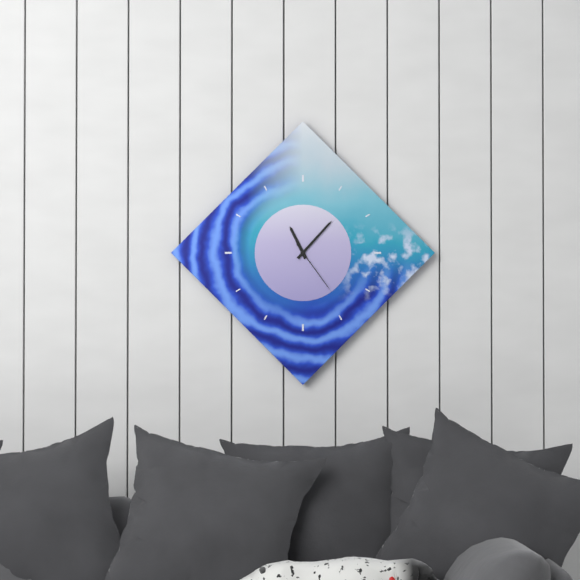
11h07m24s
